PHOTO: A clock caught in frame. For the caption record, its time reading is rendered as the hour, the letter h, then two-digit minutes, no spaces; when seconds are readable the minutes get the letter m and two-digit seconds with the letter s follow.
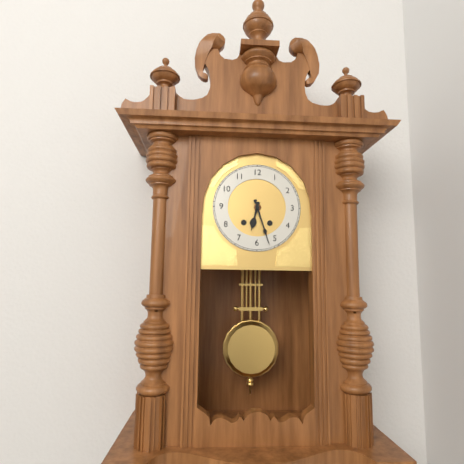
6h27
